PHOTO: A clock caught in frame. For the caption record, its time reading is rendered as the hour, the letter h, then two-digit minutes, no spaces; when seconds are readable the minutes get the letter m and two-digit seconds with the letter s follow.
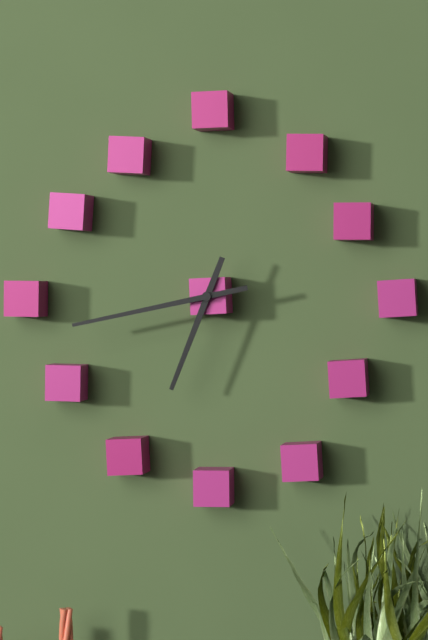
6h43
